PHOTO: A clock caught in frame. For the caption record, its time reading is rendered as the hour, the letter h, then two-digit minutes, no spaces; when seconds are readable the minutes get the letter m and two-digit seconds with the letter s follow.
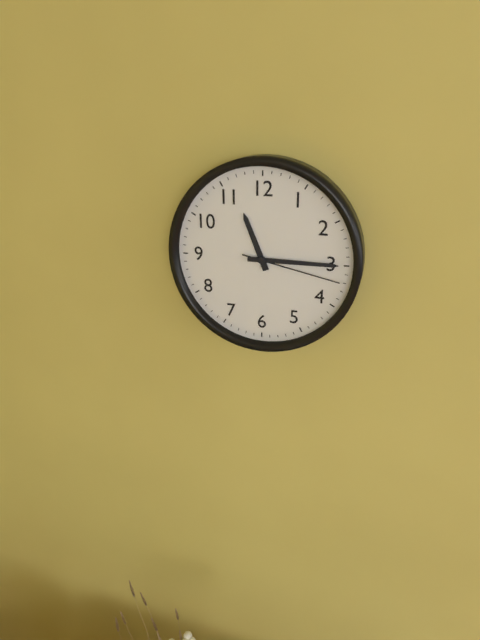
11h15m17s
